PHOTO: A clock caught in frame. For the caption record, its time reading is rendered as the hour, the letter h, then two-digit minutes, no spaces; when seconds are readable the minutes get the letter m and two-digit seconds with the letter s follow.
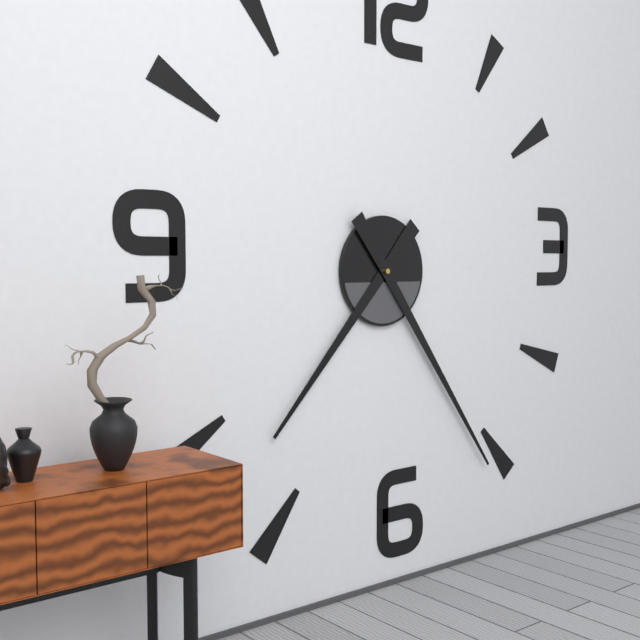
7h24
